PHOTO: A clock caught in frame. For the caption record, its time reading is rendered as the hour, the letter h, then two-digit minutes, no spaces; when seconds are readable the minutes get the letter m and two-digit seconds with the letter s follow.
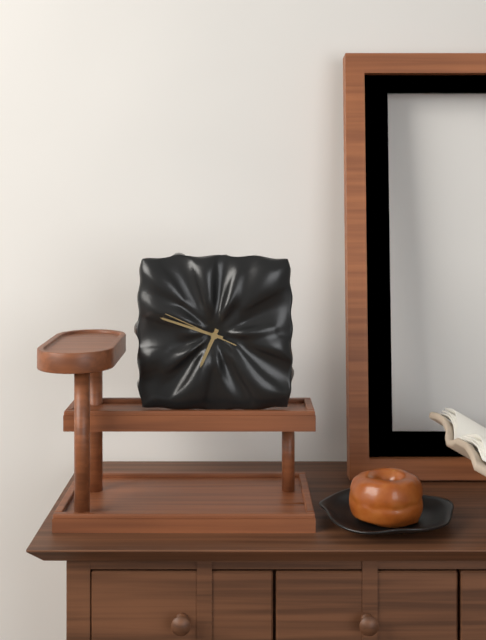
6h48m49s
